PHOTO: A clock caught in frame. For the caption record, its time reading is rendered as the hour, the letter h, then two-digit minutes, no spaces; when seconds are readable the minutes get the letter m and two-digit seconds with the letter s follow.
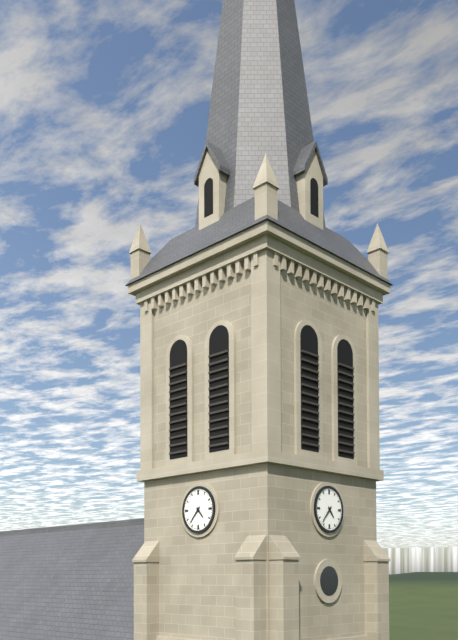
4h37
